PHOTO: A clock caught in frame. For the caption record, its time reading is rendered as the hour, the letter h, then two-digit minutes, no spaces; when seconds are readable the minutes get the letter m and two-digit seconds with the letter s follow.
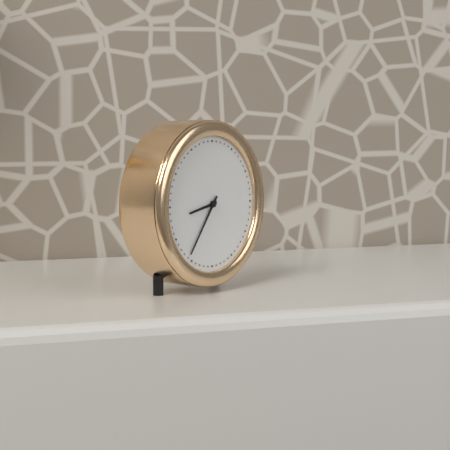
8h36
